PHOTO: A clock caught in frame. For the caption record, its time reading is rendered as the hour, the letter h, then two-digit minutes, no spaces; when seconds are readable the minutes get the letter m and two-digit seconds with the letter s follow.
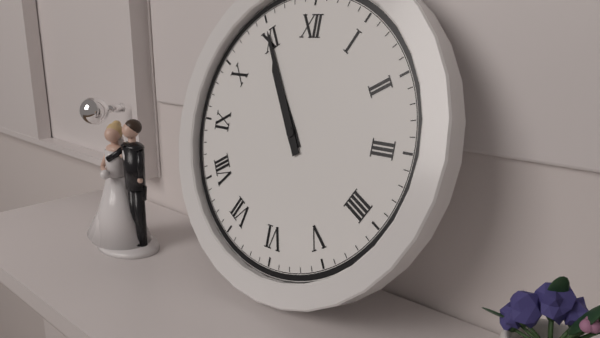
10h55
